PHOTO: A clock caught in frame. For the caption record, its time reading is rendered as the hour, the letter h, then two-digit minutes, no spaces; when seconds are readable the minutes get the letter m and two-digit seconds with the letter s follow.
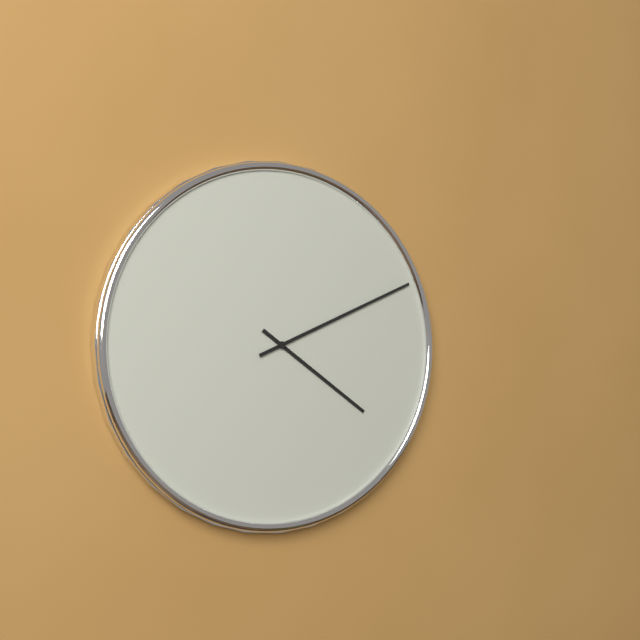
4h11
